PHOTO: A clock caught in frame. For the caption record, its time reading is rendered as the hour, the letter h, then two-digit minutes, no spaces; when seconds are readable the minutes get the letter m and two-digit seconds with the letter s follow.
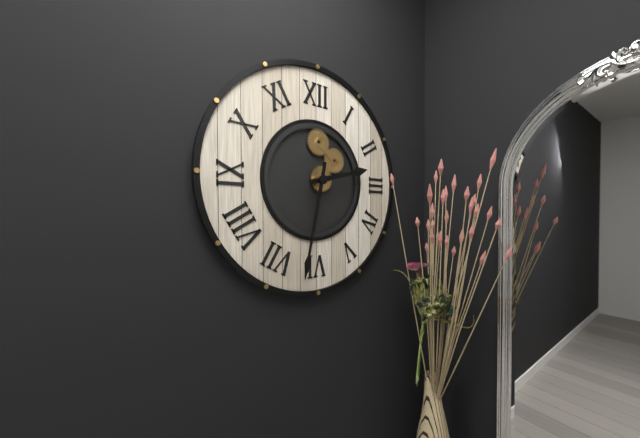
2h32
